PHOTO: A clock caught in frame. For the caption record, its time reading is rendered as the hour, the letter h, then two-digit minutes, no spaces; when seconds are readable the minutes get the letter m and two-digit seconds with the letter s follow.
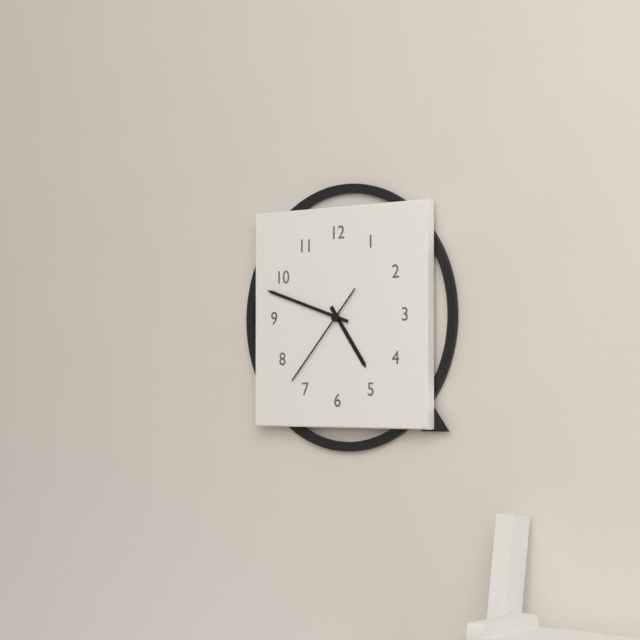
4h48m37s
